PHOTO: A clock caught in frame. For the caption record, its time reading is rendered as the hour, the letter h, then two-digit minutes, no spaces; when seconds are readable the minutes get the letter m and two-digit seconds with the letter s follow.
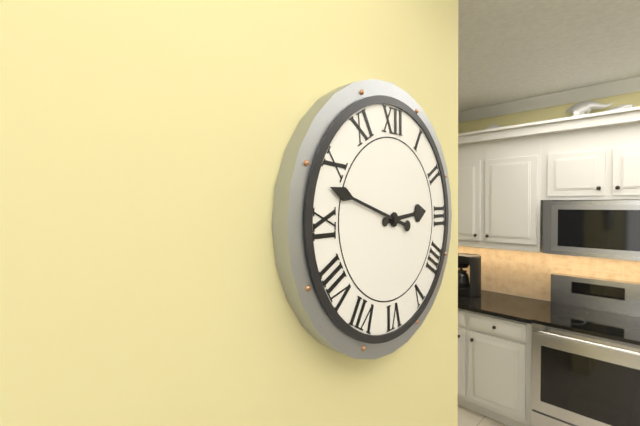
2h48
